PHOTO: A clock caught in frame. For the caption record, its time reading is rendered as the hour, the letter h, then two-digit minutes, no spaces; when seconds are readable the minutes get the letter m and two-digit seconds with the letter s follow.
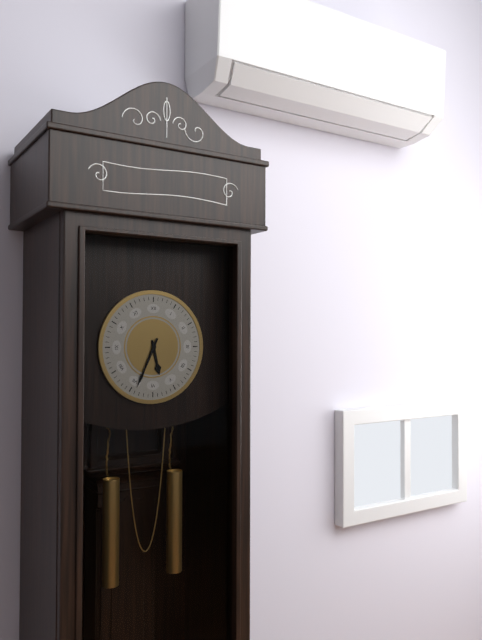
5h34
